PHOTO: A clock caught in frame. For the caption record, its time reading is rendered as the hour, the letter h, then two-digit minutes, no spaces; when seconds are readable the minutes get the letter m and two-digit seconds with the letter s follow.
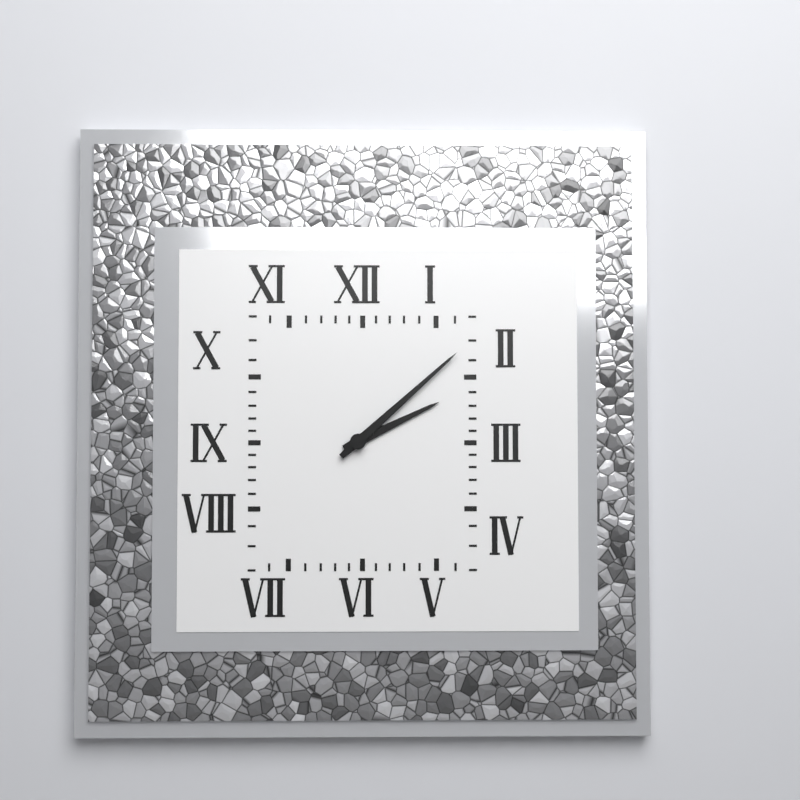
2h08
